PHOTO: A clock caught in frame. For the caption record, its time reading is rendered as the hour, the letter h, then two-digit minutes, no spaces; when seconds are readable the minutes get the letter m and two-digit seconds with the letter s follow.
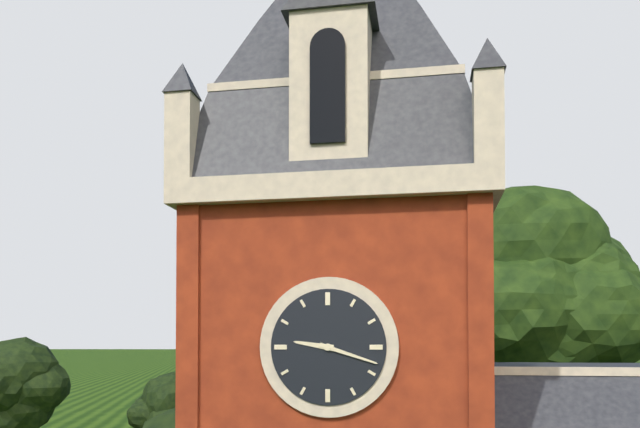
9h18
